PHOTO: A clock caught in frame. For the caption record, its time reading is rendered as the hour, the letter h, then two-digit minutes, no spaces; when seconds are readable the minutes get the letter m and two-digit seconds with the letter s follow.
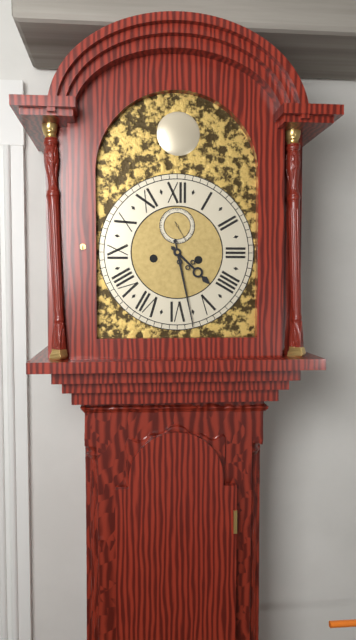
4h28
